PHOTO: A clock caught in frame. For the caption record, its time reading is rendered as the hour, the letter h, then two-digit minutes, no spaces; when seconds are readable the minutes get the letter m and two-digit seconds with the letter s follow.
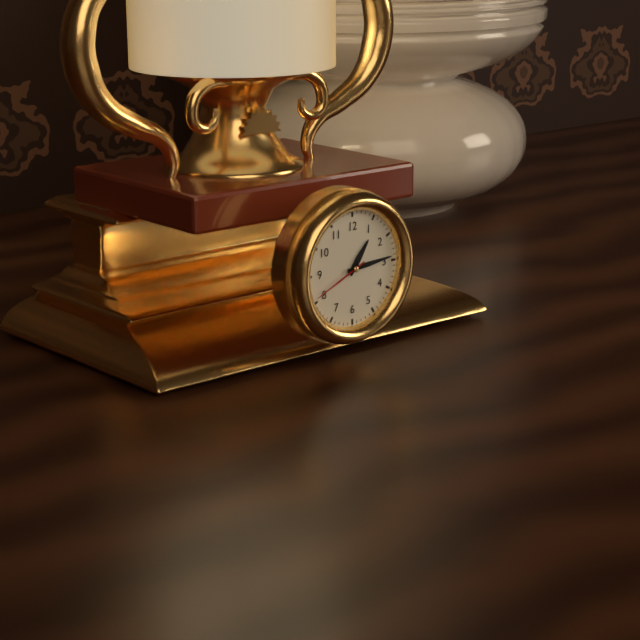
1h14m41s
